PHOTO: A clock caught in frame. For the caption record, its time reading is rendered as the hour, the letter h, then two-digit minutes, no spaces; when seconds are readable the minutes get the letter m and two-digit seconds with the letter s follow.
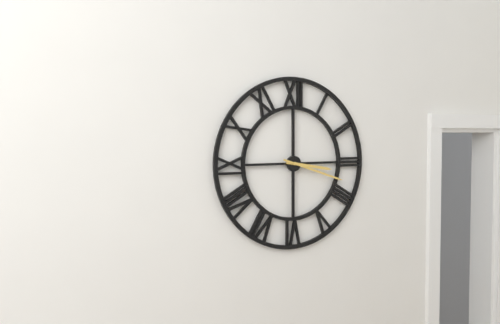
3h18
